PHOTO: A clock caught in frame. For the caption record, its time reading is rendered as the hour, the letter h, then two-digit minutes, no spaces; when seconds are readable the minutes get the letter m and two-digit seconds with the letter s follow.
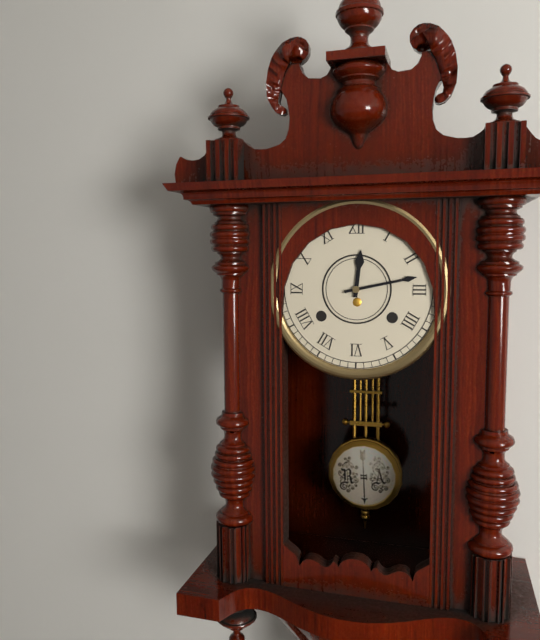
12h13
